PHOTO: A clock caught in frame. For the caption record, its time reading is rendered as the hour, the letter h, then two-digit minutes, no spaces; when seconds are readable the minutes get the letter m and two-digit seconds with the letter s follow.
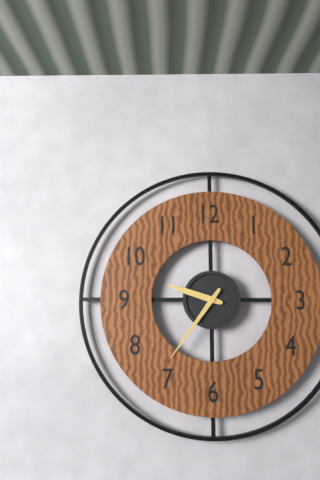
9h36
